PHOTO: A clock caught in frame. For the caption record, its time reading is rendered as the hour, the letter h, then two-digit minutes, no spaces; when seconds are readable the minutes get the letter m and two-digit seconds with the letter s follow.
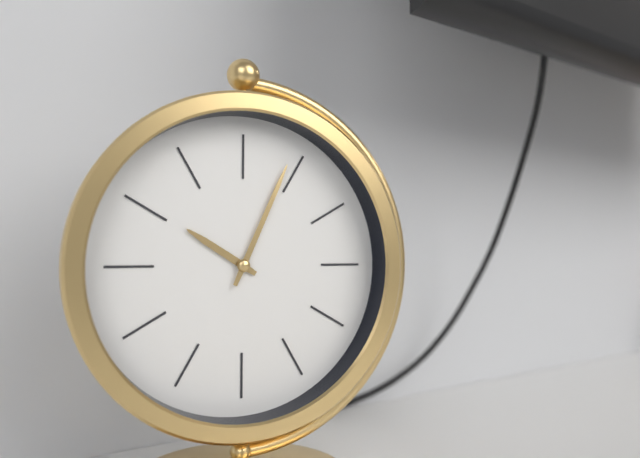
10h04
